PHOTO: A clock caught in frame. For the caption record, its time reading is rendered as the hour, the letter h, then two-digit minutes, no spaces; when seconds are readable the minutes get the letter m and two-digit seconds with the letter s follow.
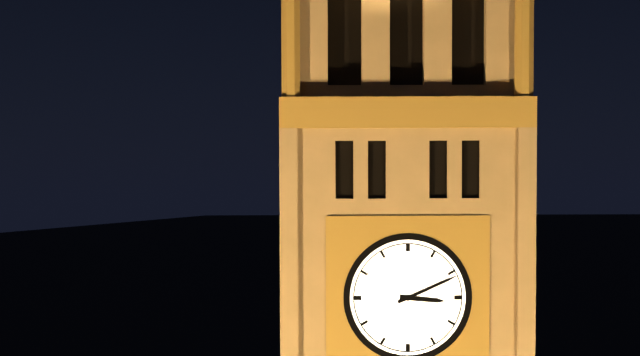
3h11
